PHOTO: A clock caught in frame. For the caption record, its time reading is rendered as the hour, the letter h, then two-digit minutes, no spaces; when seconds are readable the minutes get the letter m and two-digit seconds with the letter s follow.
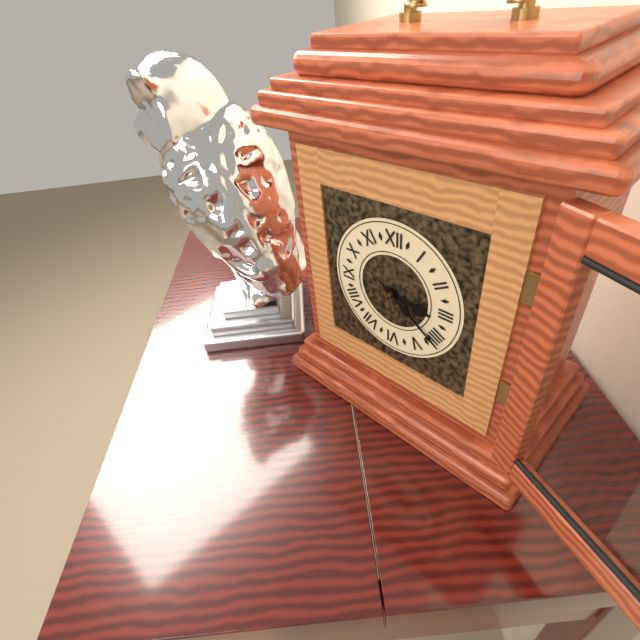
3h21
